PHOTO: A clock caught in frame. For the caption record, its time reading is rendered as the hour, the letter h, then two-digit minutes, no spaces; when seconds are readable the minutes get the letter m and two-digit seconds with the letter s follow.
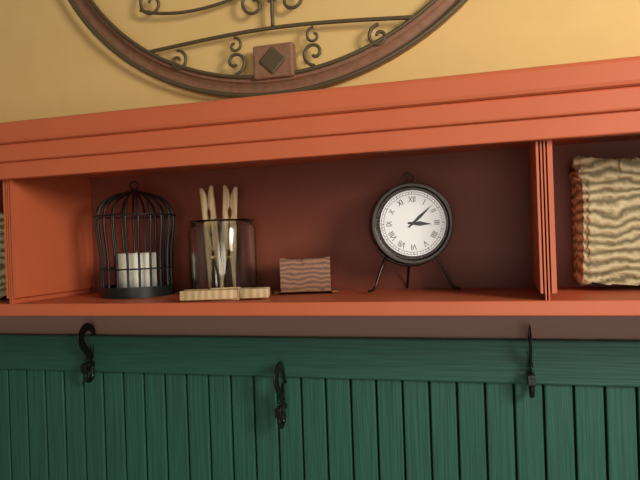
3h08
